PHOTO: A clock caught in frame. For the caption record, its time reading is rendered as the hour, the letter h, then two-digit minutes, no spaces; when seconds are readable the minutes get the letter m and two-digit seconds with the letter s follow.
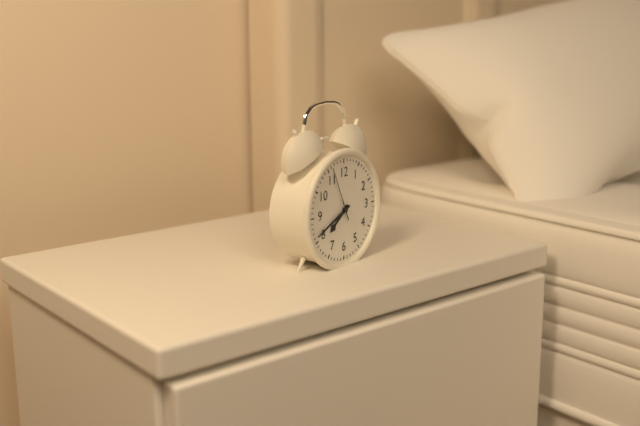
7h41m56s
